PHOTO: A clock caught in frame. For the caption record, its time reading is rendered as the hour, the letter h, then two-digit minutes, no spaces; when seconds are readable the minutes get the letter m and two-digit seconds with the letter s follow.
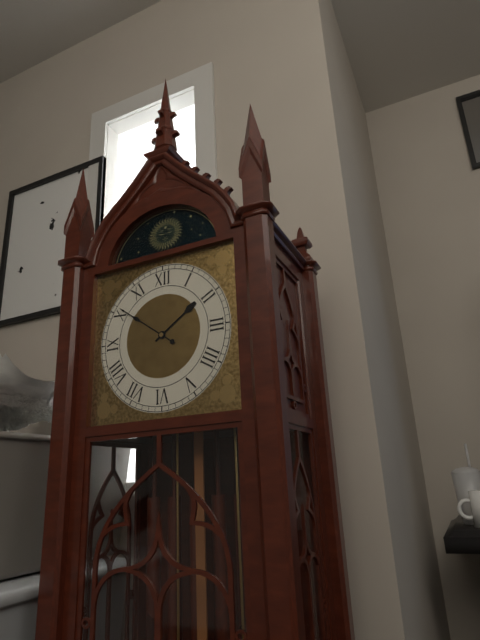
1h51
